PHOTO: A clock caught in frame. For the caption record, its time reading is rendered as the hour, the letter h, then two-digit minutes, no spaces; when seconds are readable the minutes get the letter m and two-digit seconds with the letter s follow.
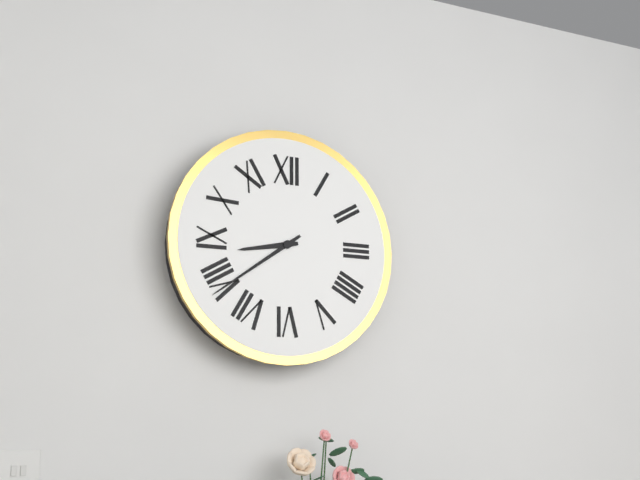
8h39
